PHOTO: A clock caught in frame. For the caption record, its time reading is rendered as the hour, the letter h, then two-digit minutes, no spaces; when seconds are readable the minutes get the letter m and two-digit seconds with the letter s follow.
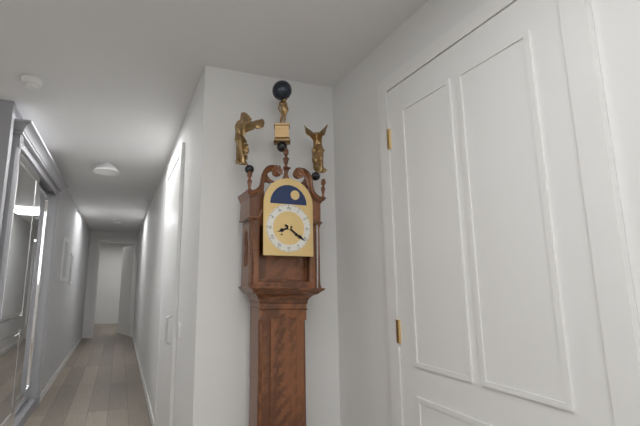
8h21
